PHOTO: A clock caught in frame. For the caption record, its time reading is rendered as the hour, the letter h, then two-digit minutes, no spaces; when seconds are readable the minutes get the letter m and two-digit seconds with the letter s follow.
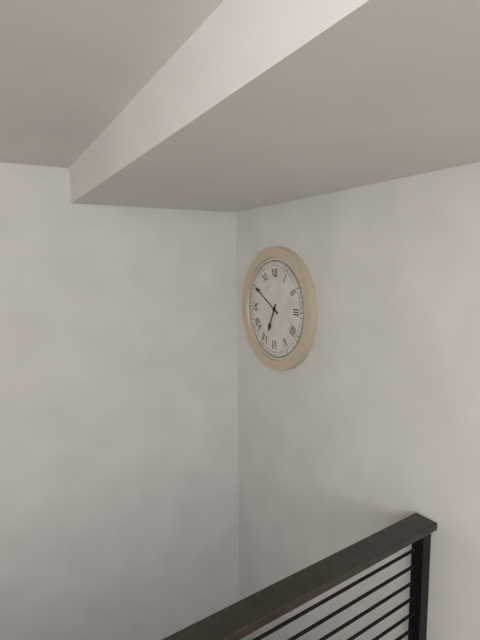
6h50
